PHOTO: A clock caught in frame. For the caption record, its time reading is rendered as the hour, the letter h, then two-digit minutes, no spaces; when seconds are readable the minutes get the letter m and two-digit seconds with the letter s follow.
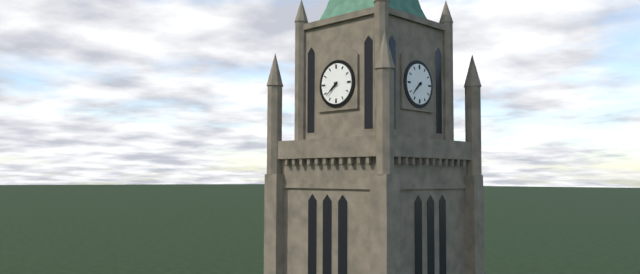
7h38
